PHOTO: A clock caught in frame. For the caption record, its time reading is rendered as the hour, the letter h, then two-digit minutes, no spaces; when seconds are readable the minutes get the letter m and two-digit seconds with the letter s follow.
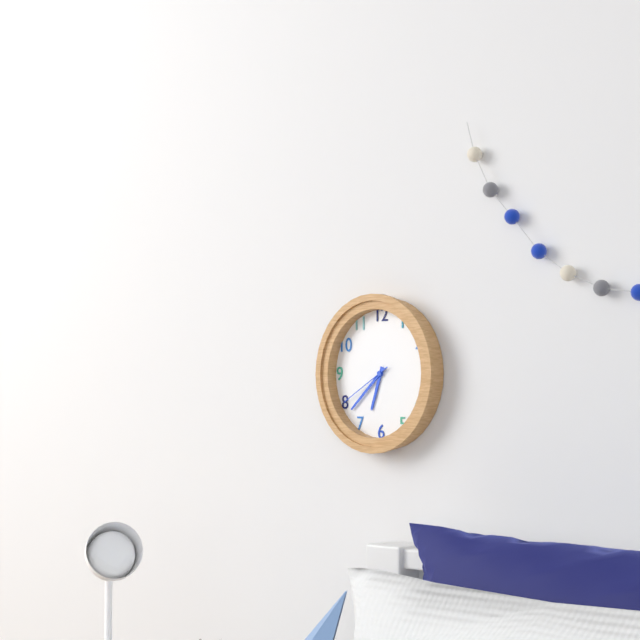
6h38m40s
